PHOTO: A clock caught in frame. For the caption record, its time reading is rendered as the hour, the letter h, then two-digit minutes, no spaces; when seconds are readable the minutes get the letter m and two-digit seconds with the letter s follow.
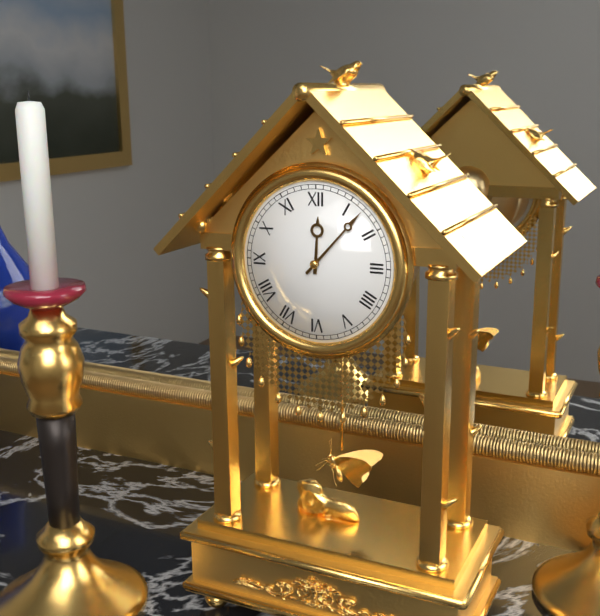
12h07
